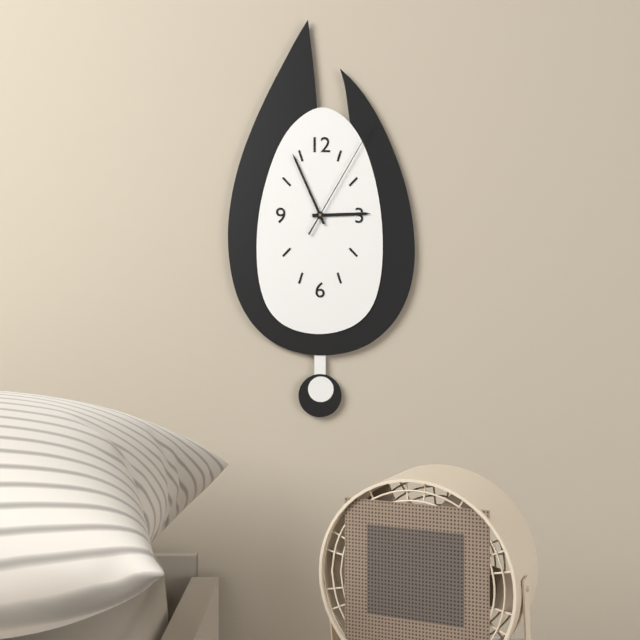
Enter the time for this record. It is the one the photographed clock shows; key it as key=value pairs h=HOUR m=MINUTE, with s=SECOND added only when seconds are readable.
h=2 m=56 s=5
